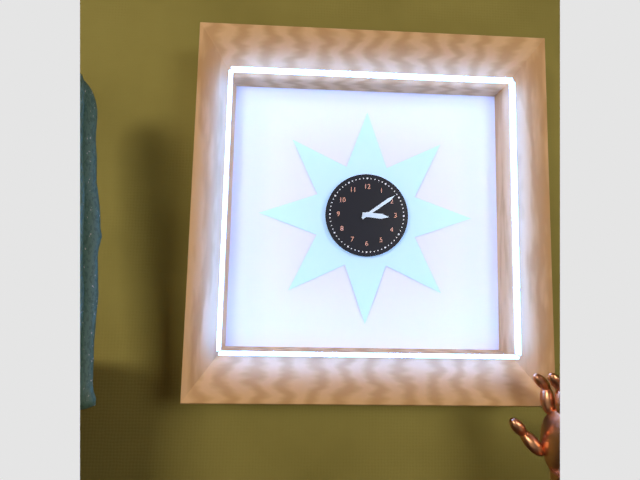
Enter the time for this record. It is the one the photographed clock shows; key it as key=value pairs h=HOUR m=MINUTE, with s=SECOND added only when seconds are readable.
h=3 m=9
